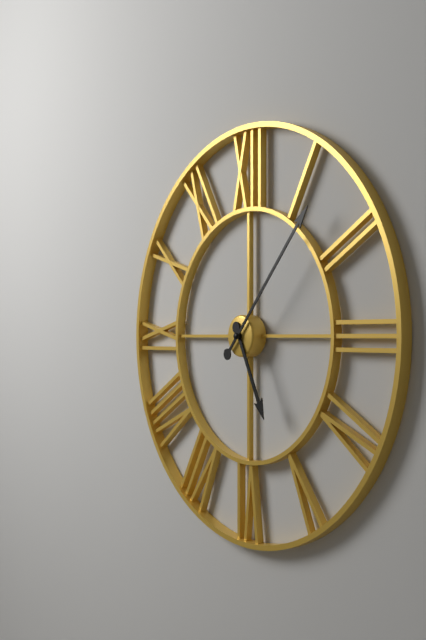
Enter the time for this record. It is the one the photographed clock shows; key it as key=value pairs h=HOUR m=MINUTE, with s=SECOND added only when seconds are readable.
h=5 m=7
